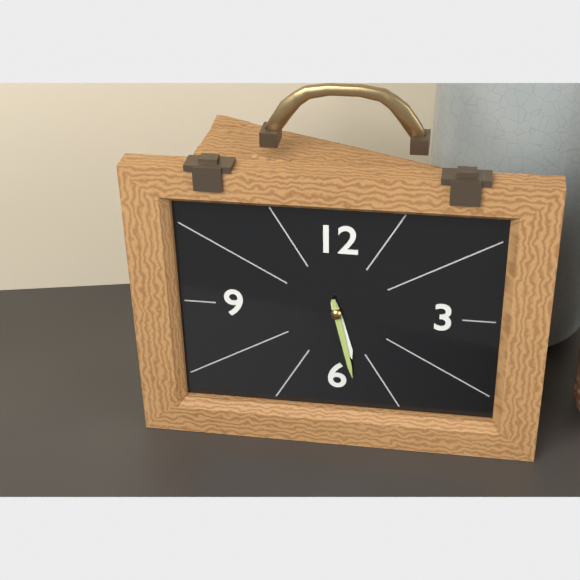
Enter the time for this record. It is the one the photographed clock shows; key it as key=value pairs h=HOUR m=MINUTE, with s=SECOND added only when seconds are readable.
h=5 m=28
